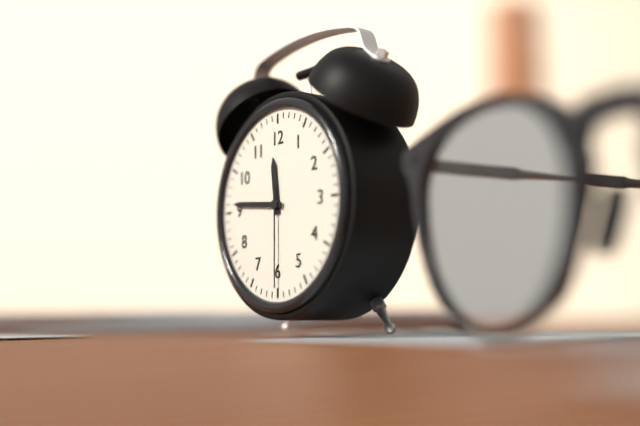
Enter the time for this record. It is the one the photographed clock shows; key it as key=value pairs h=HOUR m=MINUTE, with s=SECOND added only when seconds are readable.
h=11 m=46 s=30
